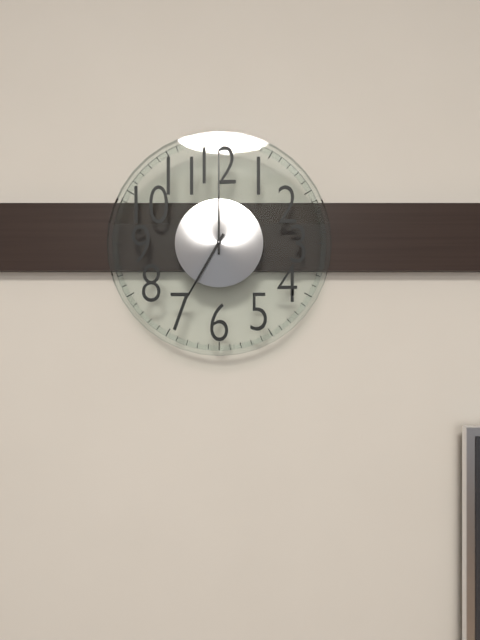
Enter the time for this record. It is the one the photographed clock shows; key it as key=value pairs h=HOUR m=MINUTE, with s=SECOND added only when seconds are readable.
h=7 m=0
